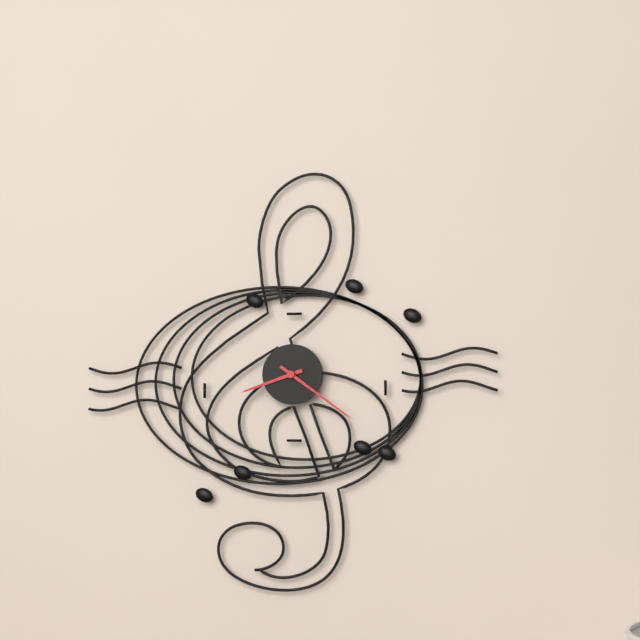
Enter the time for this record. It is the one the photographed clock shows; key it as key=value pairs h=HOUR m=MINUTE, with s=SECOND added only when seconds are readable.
h=8 m=21
